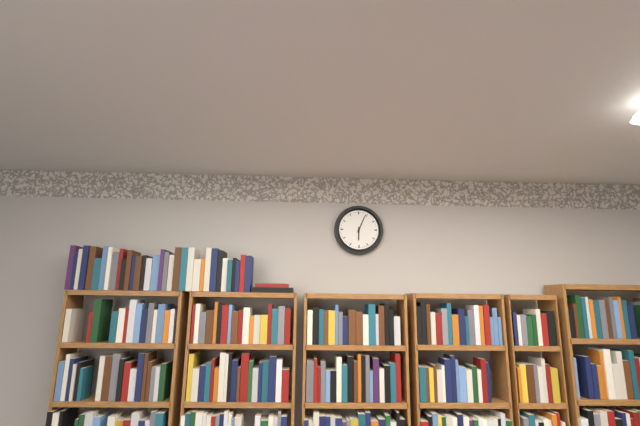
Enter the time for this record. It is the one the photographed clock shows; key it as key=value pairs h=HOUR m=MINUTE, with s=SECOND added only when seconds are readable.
h=6 m=4
